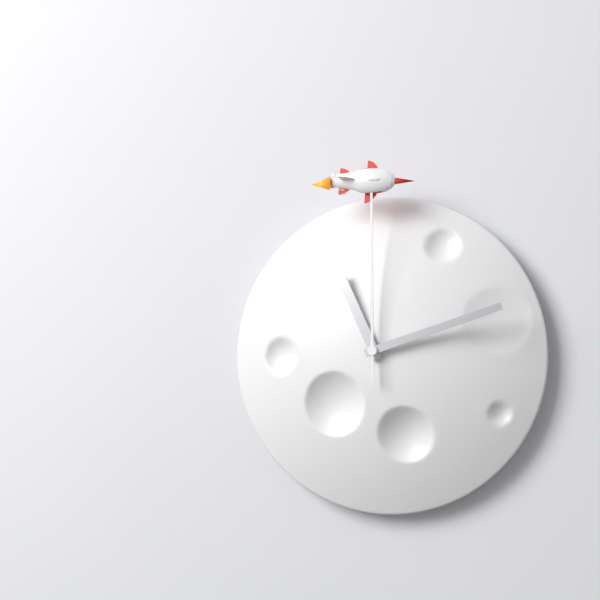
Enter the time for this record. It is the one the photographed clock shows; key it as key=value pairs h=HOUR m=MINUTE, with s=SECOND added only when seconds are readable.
h=11 m=12 s=0
